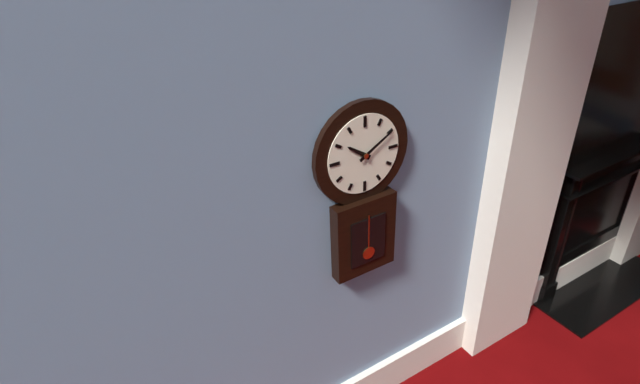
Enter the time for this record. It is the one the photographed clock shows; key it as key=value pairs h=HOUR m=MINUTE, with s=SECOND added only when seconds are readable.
h=10 m=10
